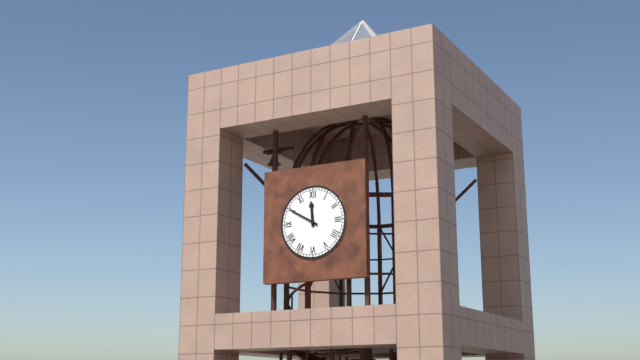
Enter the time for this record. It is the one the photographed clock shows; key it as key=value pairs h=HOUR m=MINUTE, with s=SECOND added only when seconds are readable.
h=11 m=50
